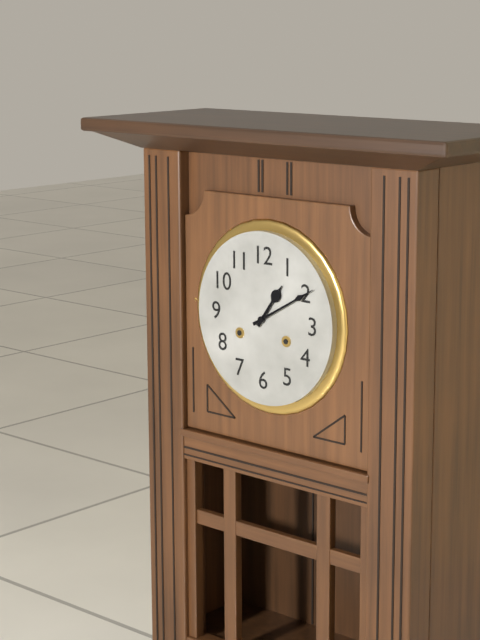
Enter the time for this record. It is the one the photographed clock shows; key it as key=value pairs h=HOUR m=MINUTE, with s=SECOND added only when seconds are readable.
h=1 m=10
